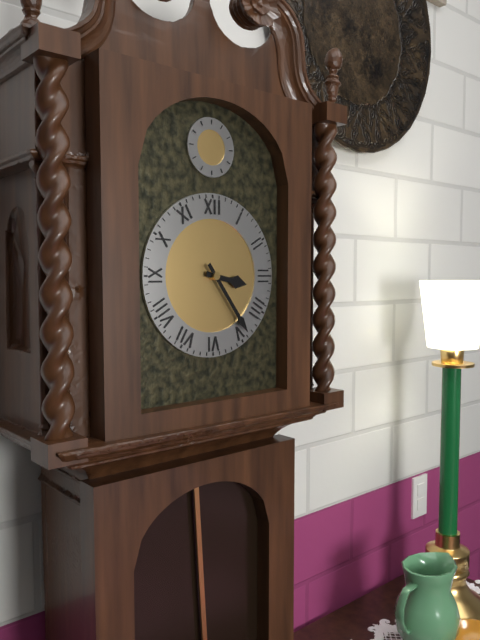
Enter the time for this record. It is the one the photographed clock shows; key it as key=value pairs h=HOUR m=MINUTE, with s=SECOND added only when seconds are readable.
h=3 m=24
